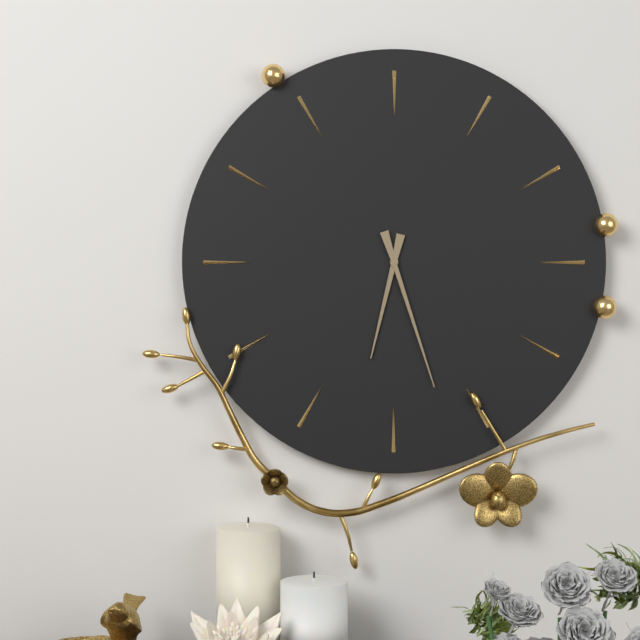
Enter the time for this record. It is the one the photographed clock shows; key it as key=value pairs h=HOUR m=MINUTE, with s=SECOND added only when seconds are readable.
h=6 m=27
